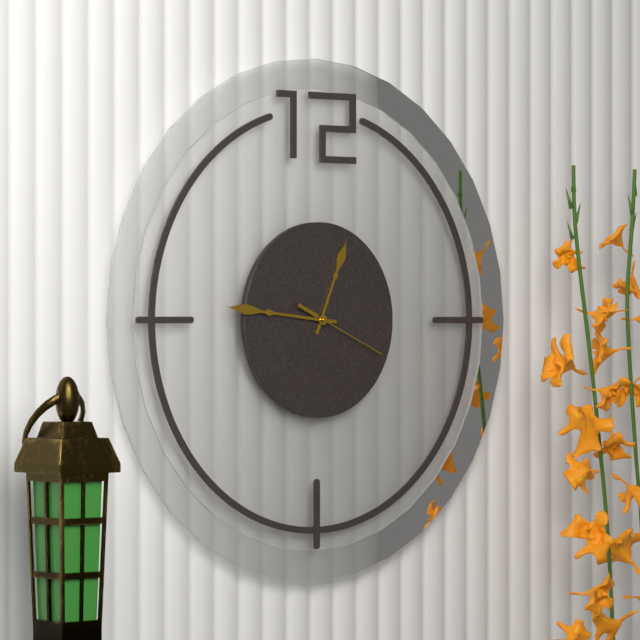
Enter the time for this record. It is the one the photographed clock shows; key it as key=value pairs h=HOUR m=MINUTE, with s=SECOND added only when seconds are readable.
h=12 m=46 s=19
